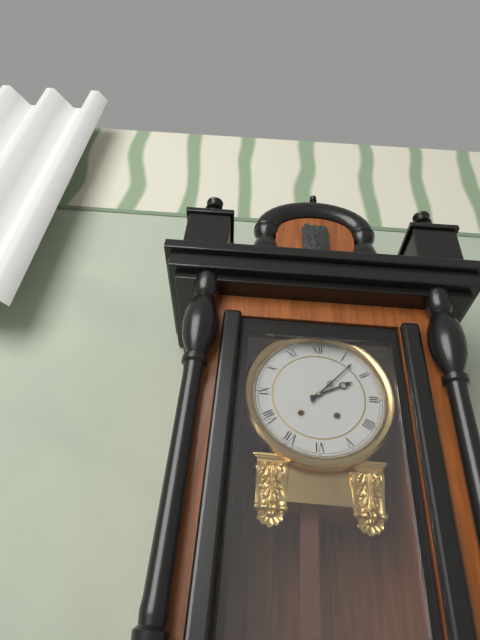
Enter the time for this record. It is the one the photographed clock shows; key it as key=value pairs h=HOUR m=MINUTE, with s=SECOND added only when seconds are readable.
h=2 m=7
